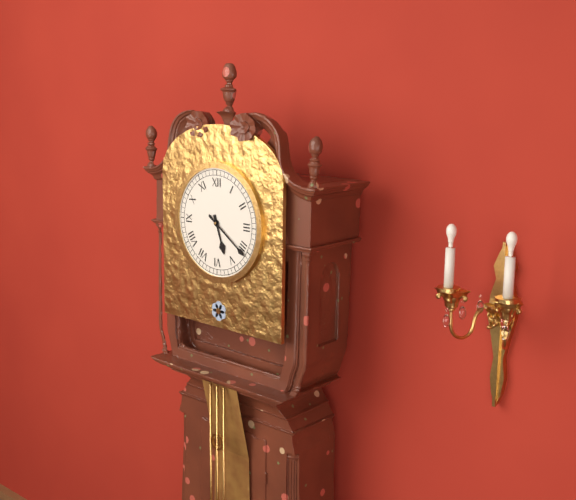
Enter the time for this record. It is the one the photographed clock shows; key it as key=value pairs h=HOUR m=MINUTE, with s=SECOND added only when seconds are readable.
h=5 m=21
